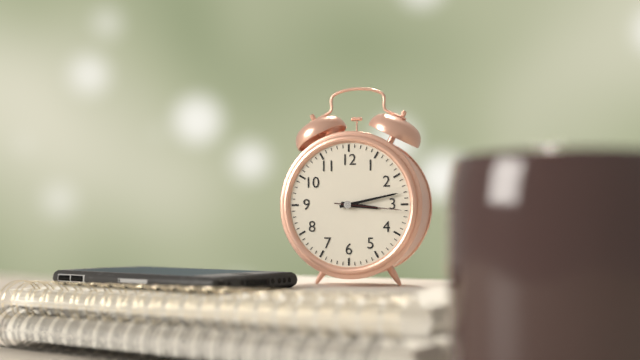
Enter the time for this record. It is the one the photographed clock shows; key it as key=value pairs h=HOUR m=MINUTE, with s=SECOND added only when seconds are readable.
h=3 m=13 s=16
